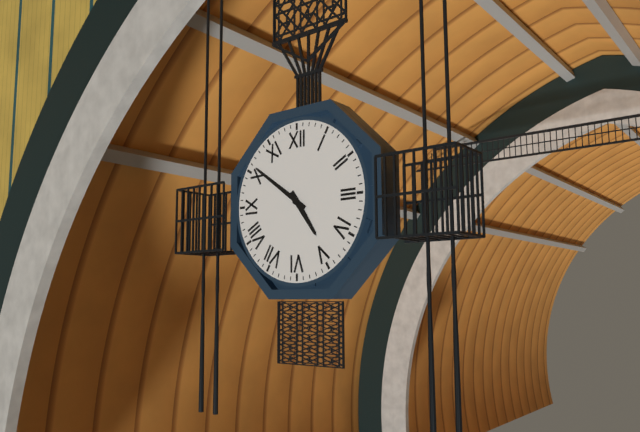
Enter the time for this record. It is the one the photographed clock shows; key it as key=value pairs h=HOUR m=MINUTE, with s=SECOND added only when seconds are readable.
h=4 m=51
